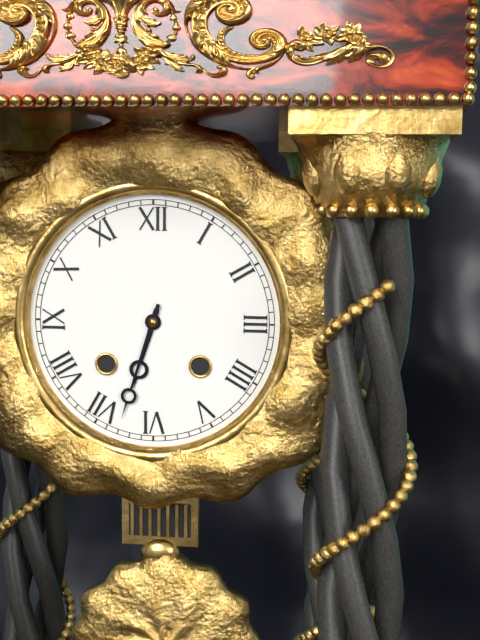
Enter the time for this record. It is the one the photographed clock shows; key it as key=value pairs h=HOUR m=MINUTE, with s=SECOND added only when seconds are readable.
h=6 m=33
